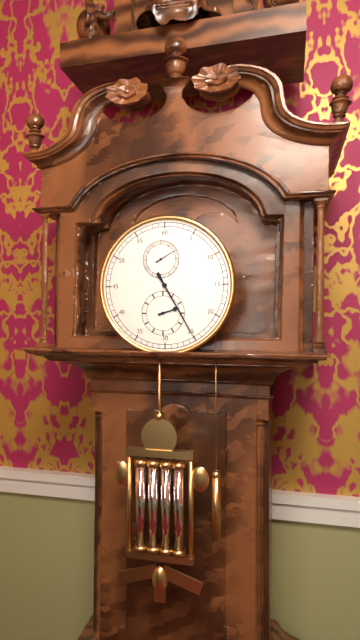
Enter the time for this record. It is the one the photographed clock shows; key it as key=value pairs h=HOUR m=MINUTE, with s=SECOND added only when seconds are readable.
h=2 m=25
